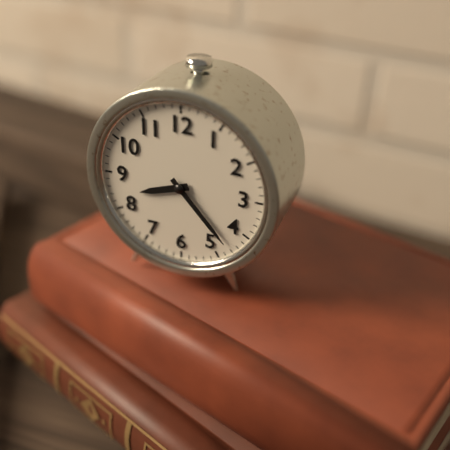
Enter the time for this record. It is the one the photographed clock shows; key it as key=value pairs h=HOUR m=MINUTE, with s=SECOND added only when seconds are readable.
h=8 m=23
